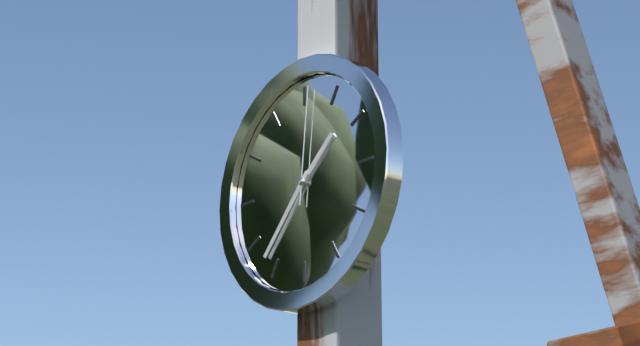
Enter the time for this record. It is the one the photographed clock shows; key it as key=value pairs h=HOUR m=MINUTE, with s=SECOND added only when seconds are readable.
h=1 m=37 s=1
